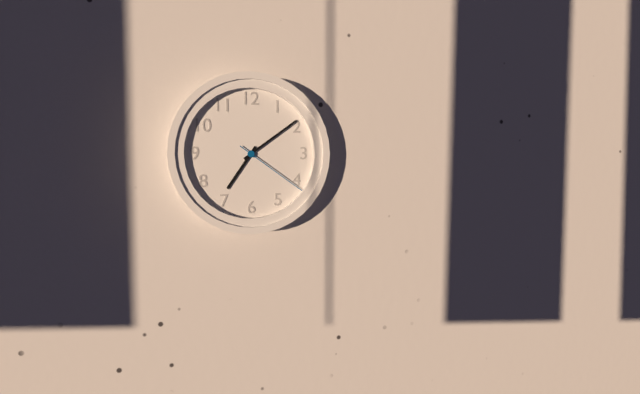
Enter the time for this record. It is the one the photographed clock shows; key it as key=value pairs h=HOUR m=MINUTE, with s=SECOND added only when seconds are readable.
h=7 m=9 s=21
